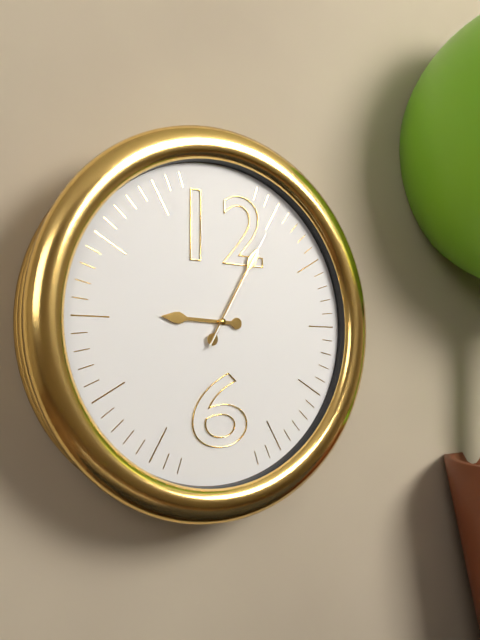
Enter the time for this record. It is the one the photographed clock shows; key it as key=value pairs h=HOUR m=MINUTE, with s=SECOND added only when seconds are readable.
h=9 m=5 s=5
